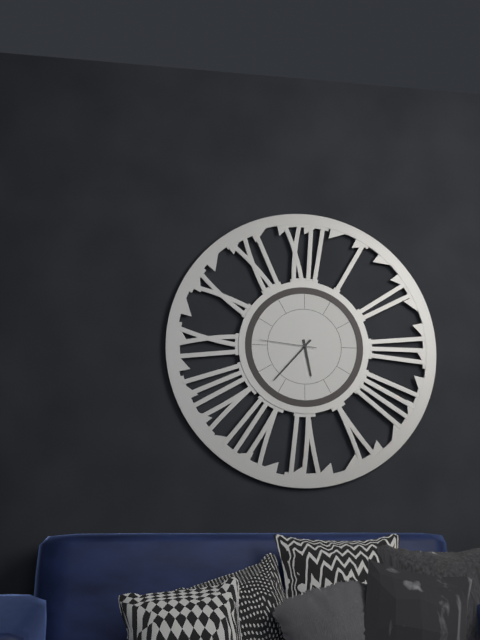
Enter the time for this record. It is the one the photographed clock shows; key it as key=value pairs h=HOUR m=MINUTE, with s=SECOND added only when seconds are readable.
h=5 m=37 s=46
